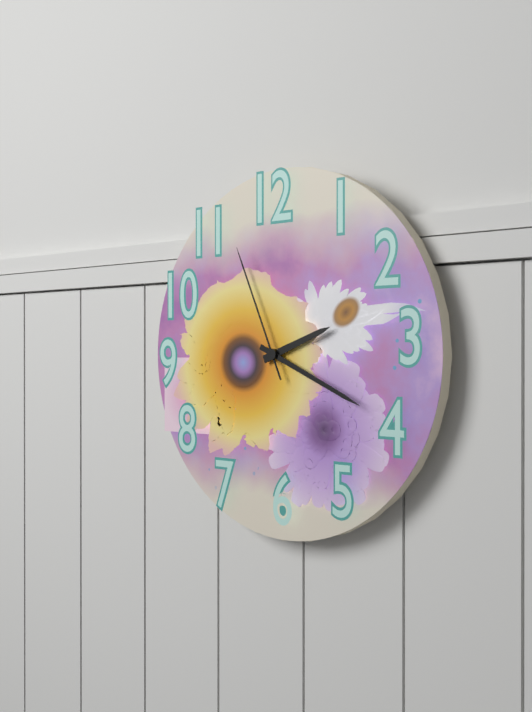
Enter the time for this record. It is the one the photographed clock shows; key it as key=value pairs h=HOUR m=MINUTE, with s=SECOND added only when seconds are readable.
h=2 m=19 s=56
